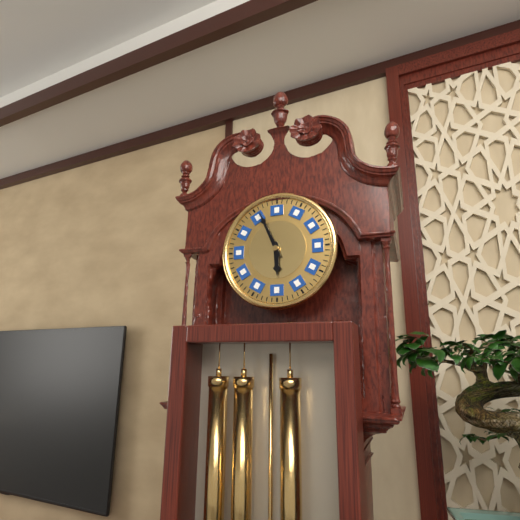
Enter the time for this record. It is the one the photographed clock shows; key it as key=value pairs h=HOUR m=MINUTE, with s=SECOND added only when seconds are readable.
h=5 m=56
